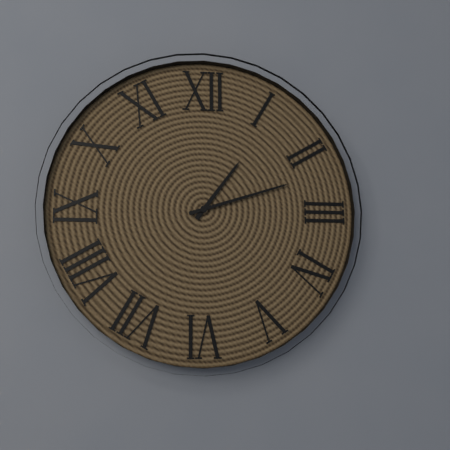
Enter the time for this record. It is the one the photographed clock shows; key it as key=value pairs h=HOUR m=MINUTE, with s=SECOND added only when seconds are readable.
h=1 m=12
